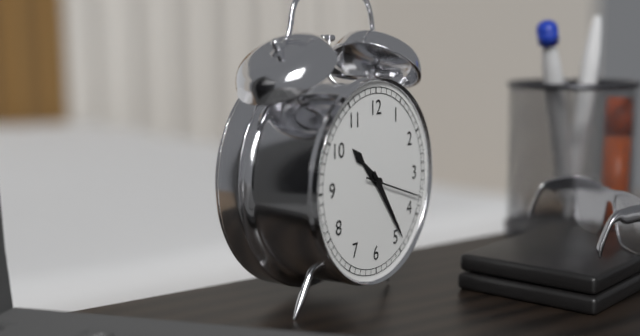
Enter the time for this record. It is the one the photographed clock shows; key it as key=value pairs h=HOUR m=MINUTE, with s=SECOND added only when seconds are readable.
h=10 m=24 s=18
